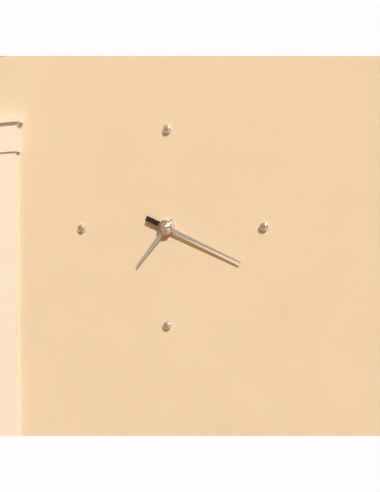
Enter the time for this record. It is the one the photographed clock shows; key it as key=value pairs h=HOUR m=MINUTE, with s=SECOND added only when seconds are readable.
h=7 m=19
